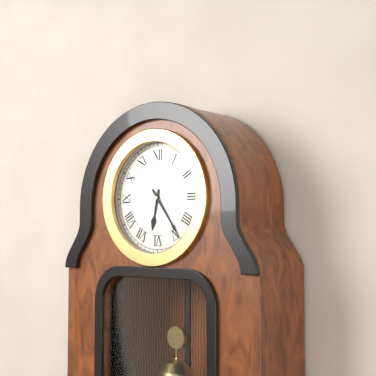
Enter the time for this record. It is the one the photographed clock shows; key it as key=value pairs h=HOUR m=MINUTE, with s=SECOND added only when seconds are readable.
h=6 m=24
